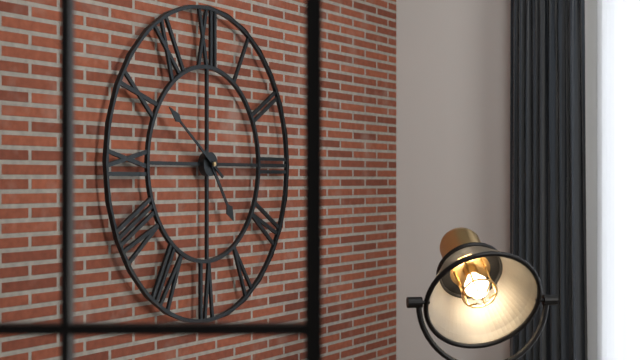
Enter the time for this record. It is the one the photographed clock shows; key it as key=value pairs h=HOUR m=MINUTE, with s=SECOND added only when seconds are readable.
h=4 m=51
